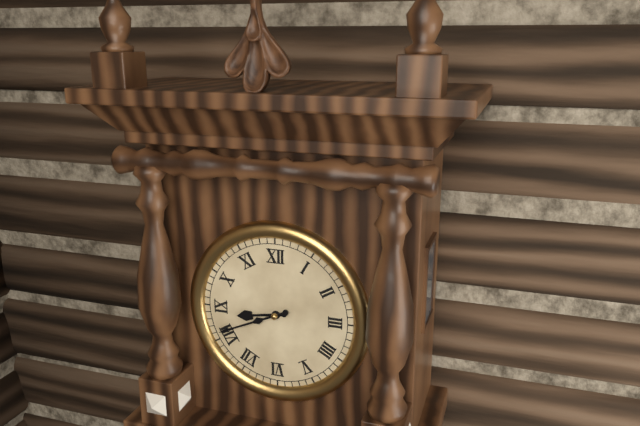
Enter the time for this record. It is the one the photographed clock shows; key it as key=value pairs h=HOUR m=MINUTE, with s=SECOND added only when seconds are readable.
h=8 m=41
